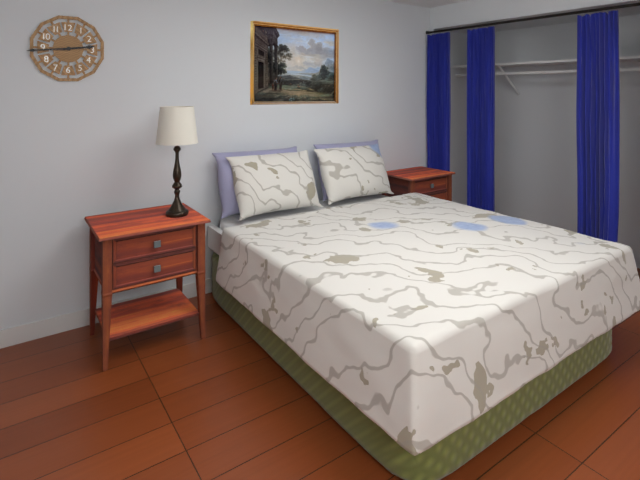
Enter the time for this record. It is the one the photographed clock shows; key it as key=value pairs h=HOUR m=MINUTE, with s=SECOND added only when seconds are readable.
h=2 m=44
